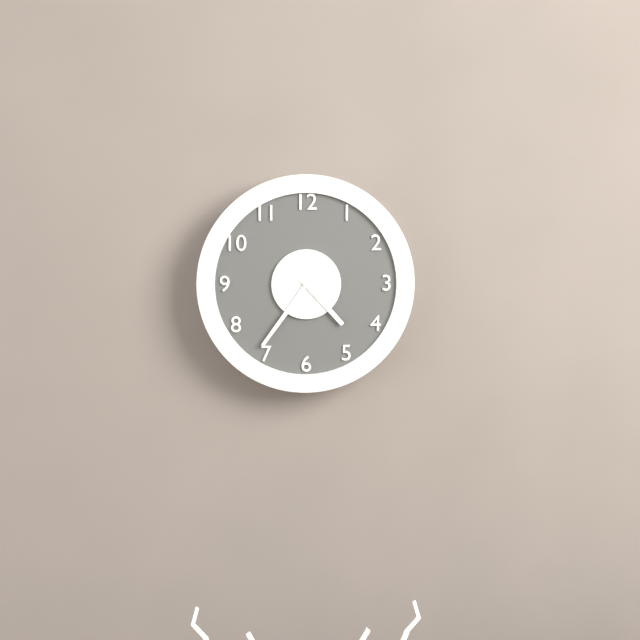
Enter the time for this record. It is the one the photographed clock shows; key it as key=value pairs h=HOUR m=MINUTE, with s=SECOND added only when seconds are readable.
h=4 m=36
